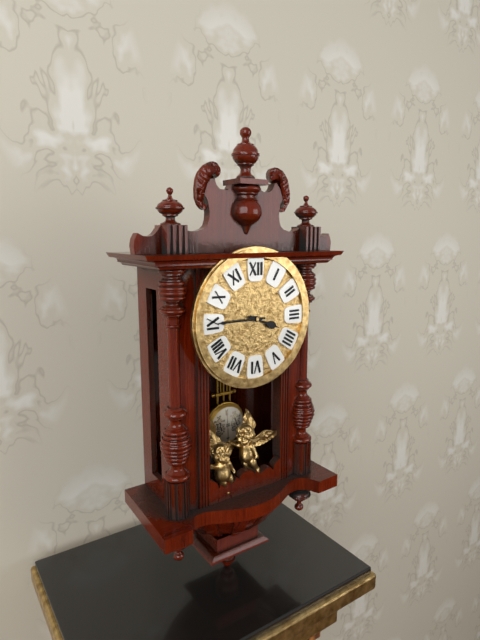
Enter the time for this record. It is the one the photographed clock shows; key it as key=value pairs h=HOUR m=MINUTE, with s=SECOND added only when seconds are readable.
h=3 m=45
